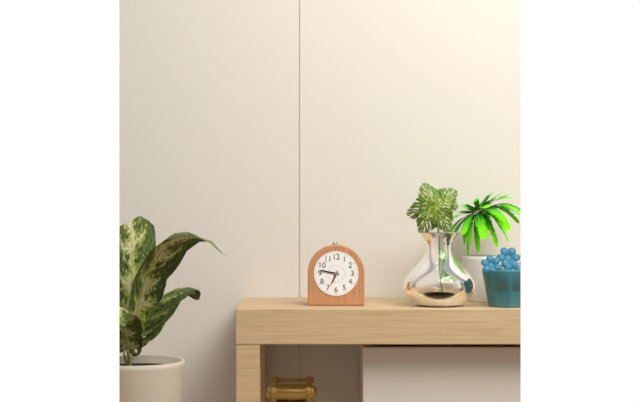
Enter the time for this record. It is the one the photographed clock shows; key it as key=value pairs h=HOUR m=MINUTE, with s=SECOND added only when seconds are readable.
h=6 m=47
